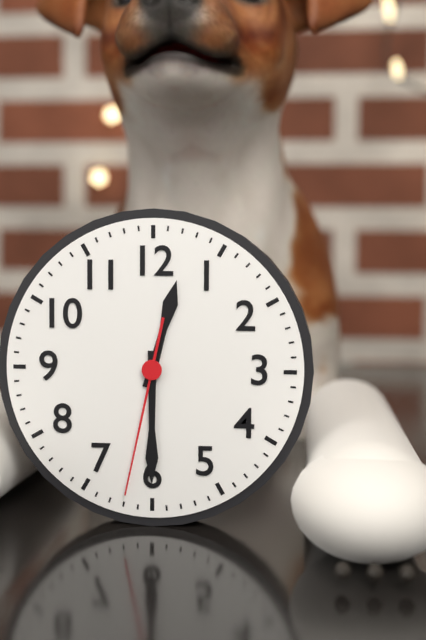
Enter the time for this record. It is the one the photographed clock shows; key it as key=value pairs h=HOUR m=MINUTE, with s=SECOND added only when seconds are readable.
h=12 m=30 s=32
